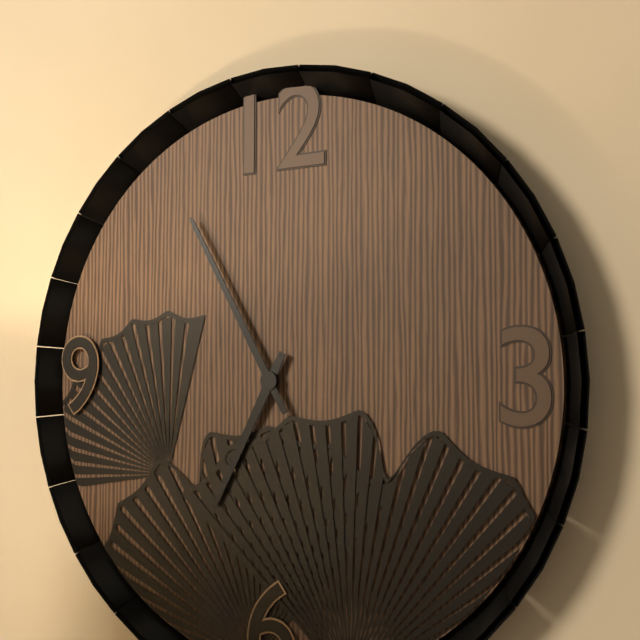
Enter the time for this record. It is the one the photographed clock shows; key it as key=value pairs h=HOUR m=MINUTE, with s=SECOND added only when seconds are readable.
h=6 m=55
